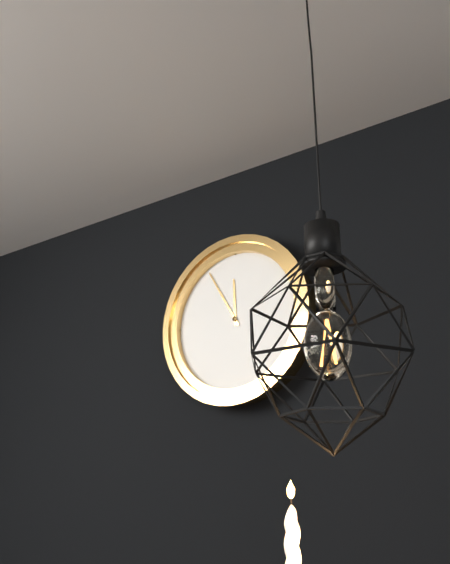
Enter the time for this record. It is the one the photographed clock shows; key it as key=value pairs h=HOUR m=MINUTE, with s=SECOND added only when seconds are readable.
h=11 m=55
